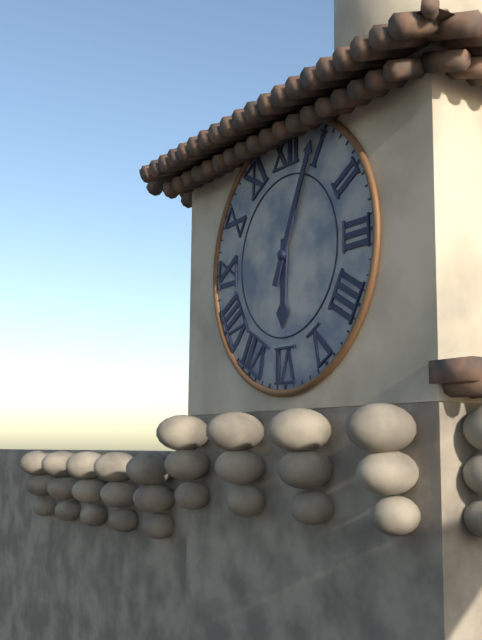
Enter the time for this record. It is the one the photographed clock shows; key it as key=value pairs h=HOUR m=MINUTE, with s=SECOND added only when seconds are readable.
h=6 m=4
